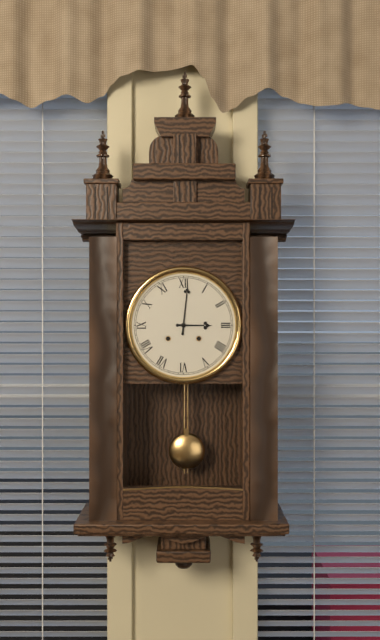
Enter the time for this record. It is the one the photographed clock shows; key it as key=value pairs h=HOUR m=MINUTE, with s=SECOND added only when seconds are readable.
h=3 m=1
